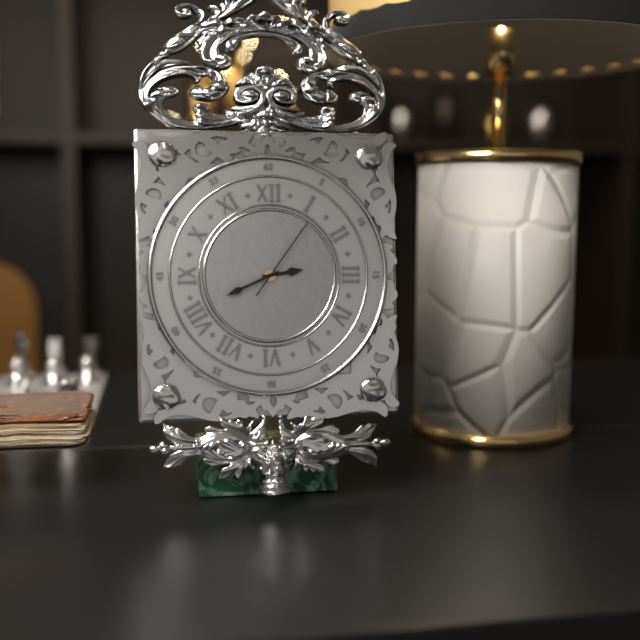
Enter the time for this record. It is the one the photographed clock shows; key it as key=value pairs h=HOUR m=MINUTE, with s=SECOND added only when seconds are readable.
h=2 m=41 s=6
